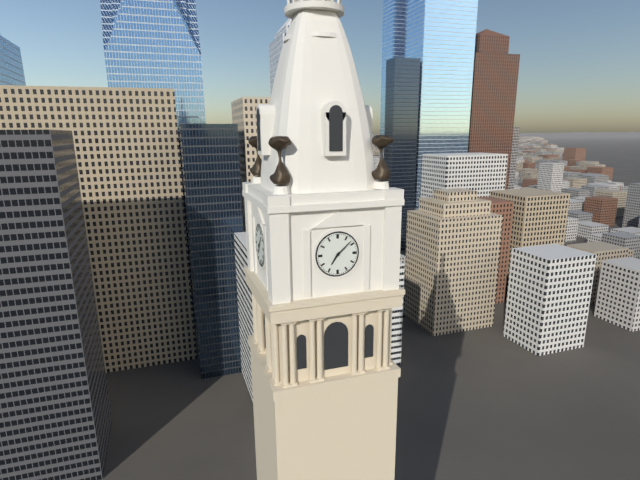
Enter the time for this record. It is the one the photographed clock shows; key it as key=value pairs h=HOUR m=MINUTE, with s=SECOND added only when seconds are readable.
h=7 m=8
